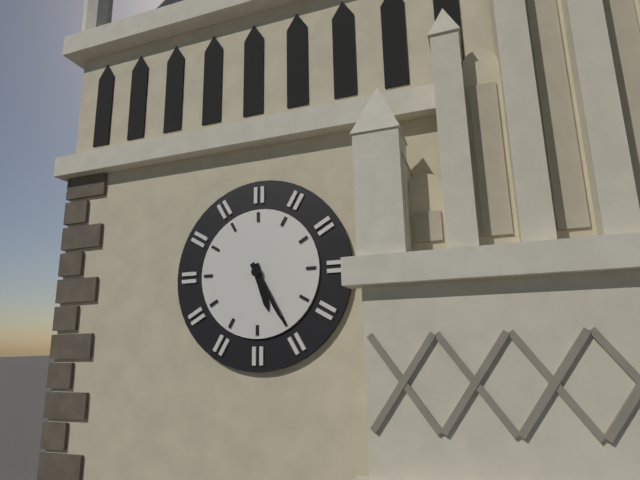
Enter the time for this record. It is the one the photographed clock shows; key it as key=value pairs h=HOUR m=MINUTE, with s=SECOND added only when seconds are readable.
h=5 m=25
